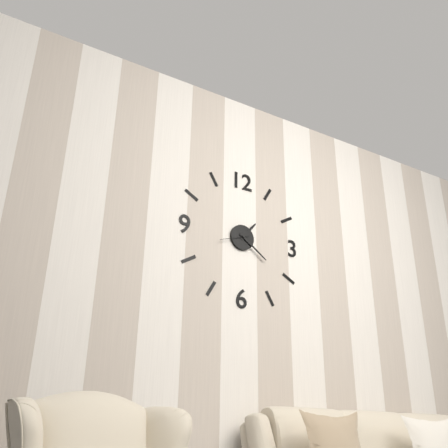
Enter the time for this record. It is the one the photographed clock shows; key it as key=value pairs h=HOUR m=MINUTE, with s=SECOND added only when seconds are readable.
h=1 m=21
